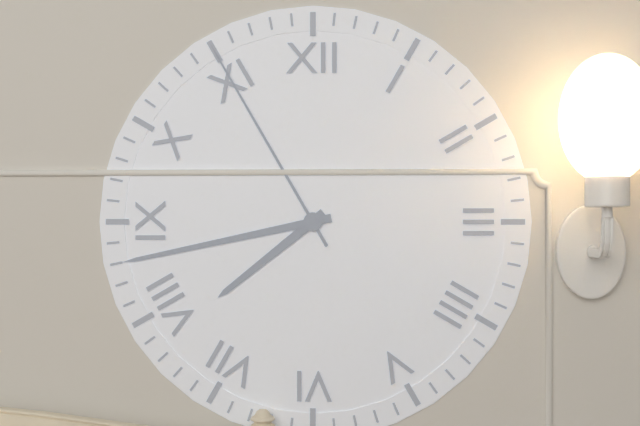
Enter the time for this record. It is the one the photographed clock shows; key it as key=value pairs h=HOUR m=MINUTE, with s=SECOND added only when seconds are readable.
h=7 m=43 s=55
